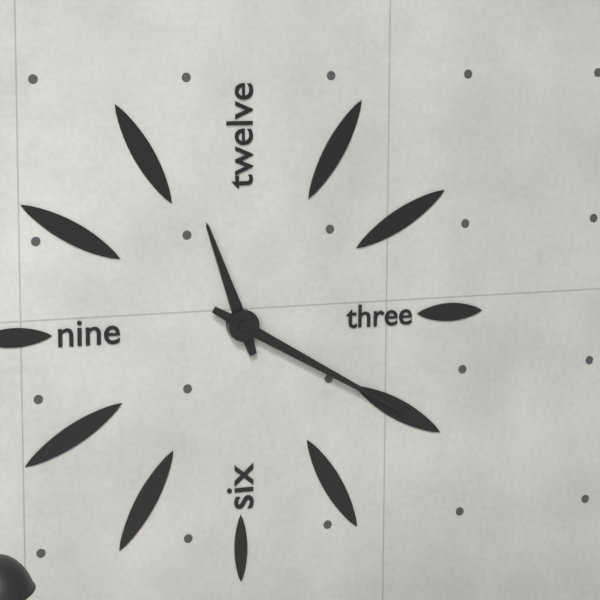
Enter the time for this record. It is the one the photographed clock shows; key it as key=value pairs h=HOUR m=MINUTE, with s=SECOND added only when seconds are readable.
h=11 m=20
